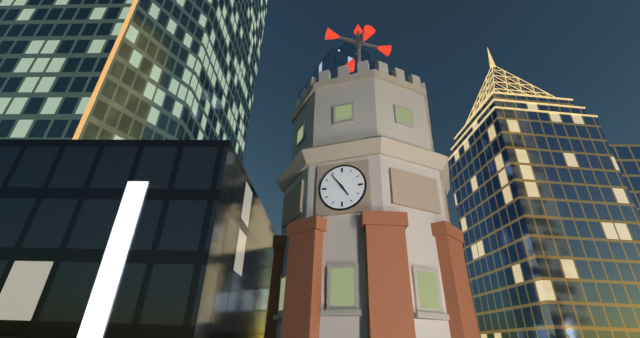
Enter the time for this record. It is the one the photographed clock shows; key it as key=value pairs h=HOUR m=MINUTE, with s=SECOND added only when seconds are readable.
h=4 m=54
